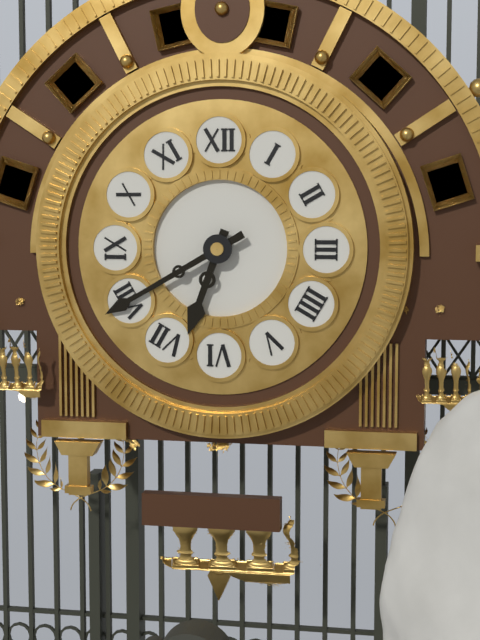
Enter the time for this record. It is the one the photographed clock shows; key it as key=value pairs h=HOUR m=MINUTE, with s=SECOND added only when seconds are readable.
h=6 m=40
